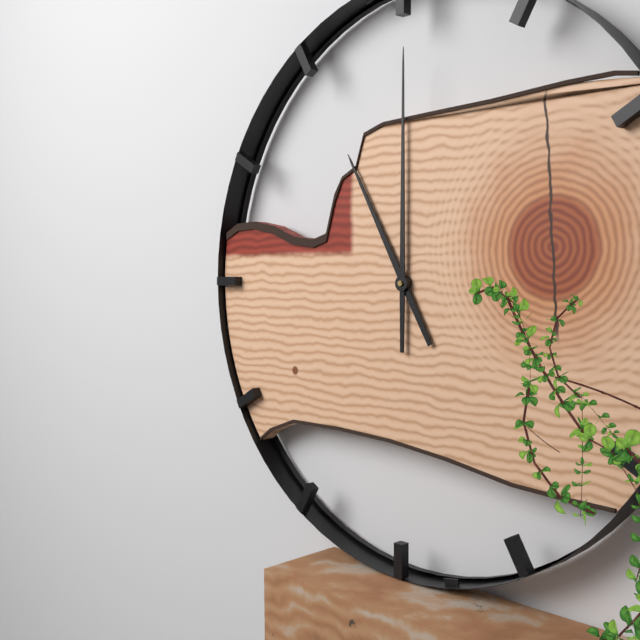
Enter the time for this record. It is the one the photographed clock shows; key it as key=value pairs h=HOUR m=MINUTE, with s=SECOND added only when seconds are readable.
h=11 m=0
